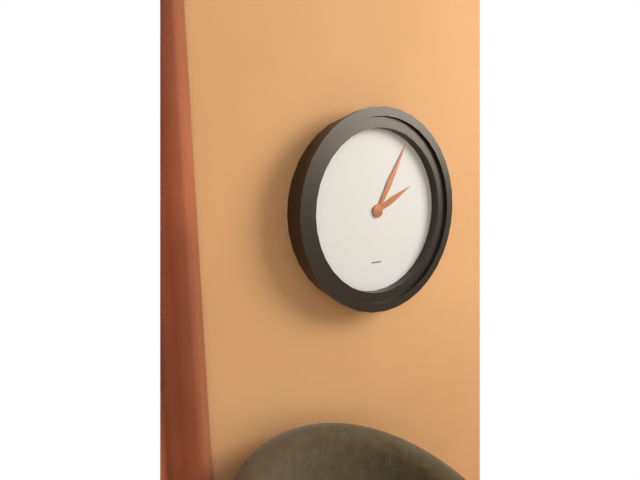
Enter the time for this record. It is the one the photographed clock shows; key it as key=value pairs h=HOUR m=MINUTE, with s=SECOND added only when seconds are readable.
h=2 m=5
